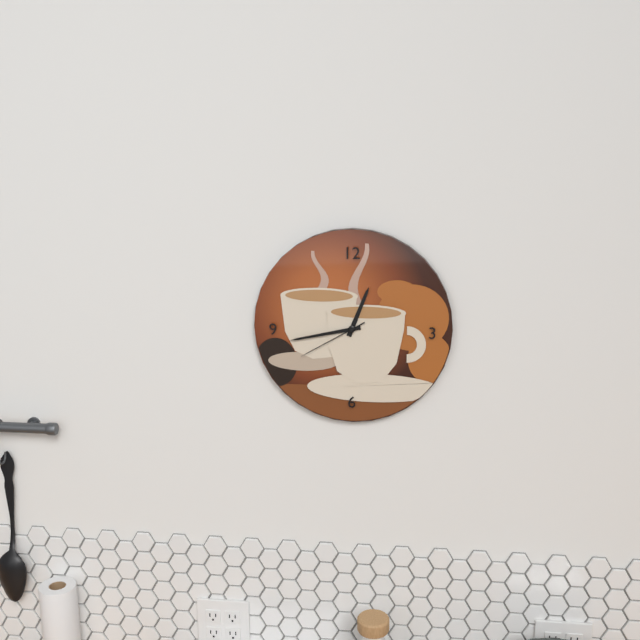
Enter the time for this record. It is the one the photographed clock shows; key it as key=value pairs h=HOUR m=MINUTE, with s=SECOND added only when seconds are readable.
h=12 m=43 s=40
